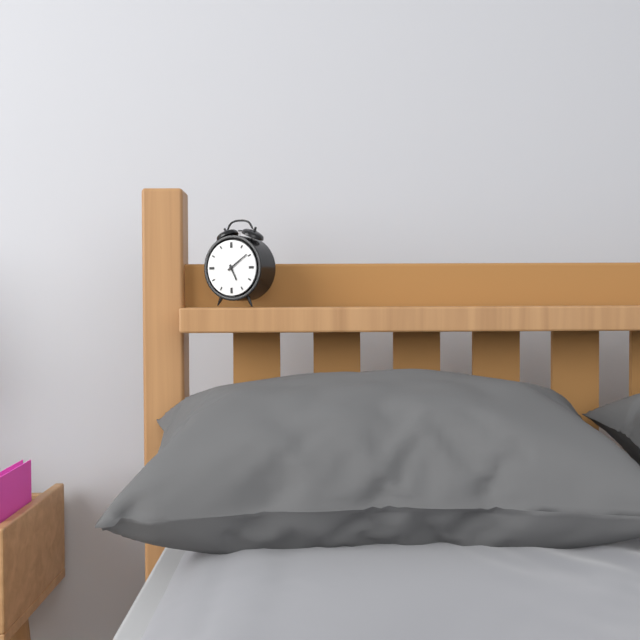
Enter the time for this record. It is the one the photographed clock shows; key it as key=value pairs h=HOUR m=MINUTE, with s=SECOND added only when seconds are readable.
h=5 m=9
